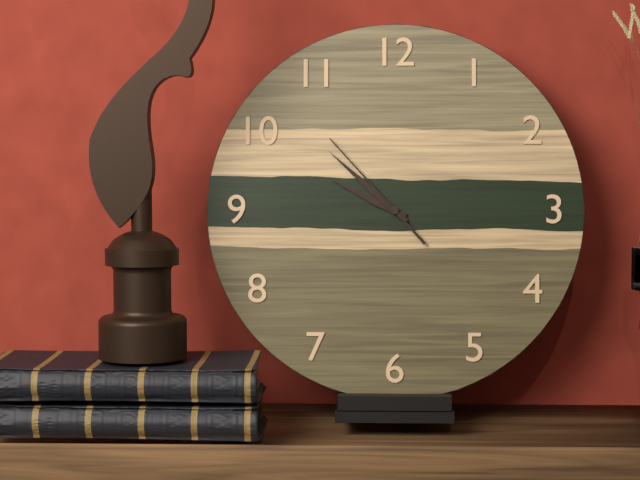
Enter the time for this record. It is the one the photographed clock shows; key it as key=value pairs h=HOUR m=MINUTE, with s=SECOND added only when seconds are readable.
h=9 m=52 s=53
